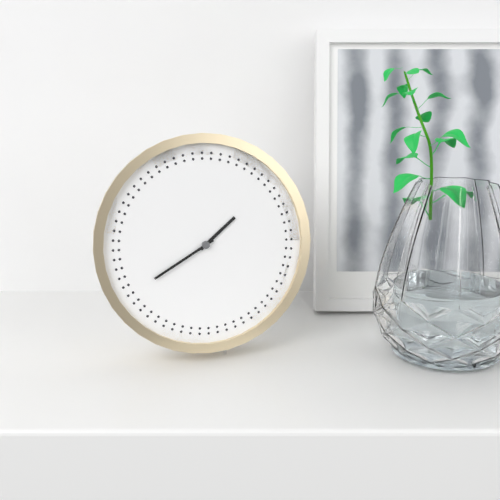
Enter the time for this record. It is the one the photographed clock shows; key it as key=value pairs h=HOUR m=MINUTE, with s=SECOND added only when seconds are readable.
h=1 m=40
